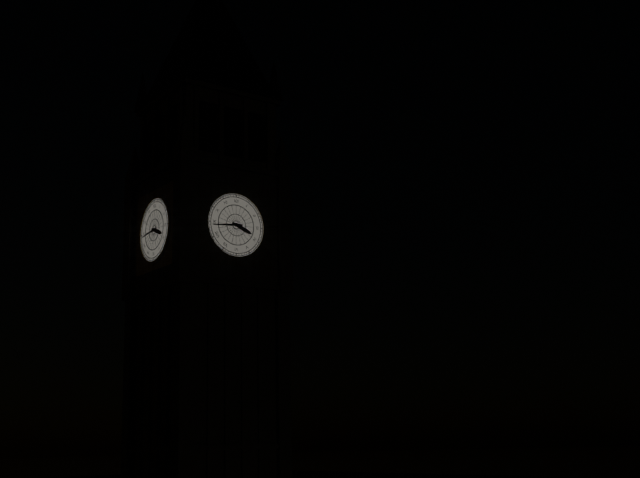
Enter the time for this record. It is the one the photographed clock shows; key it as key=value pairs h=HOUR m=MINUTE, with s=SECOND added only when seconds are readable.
h=3 m=44
